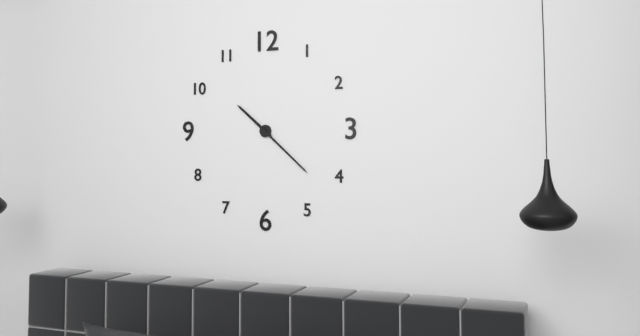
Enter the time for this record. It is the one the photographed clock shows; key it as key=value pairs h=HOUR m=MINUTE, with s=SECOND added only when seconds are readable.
h=10 m=22
